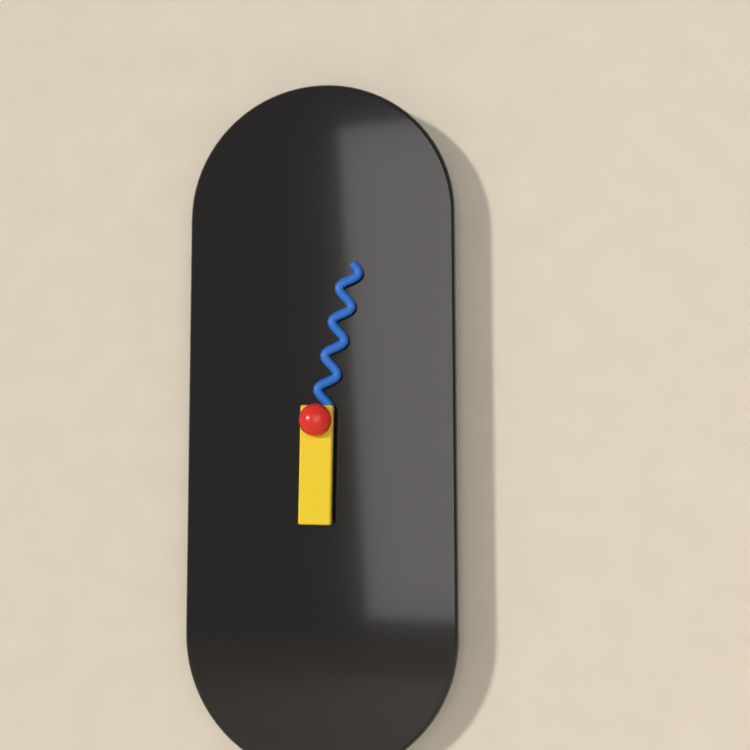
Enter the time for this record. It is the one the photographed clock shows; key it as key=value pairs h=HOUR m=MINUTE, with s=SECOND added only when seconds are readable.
h=6 m=2
